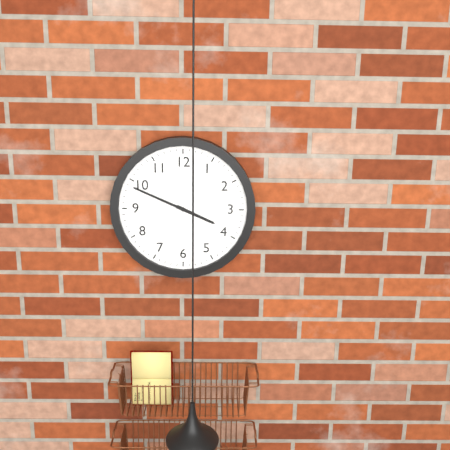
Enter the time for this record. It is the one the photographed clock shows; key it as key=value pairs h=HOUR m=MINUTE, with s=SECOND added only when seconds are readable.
h=3 m=49
